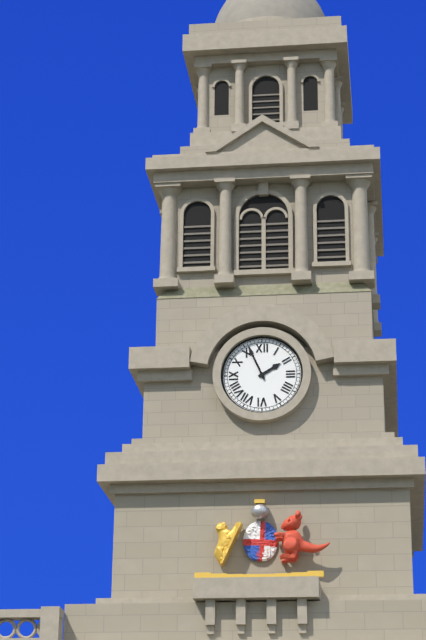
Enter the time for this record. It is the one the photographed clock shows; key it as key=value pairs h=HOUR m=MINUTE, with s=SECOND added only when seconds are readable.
h=1 m=56
